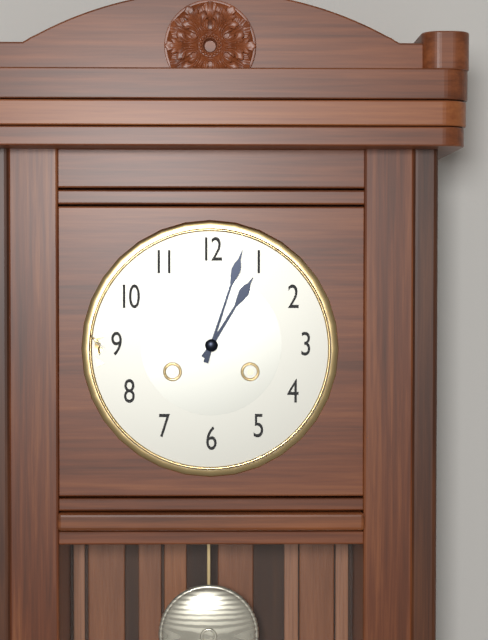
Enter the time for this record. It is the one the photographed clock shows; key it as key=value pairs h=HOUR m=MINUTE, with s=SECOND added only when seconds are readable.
h=1 m=3
